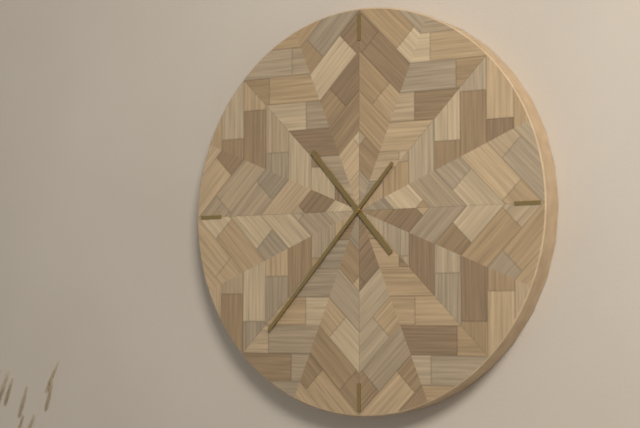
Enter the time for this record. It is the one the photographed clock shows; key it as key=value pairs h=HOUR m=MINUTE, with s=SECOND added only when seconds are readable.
h=10 m=37
